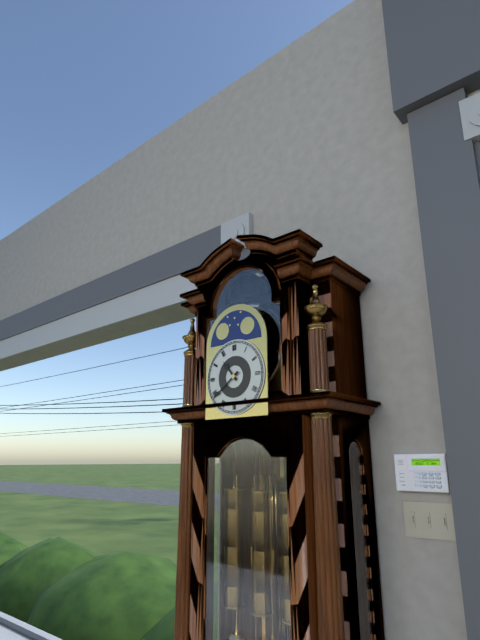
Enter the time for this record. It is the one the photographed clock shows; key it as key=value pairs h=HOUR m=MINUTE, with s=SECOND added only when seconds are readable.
h=10 m=39
